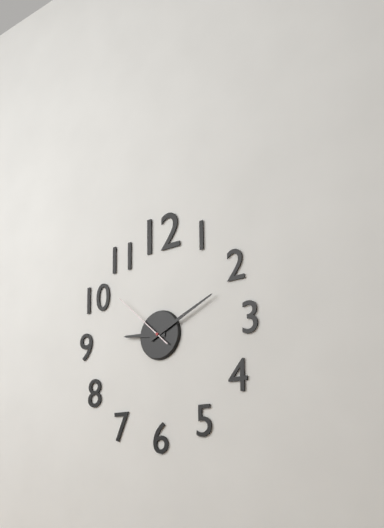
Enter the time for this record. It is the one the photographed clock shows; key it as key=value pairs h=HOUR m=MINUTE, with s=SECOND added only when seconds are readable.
h=9 m=11 s=52
